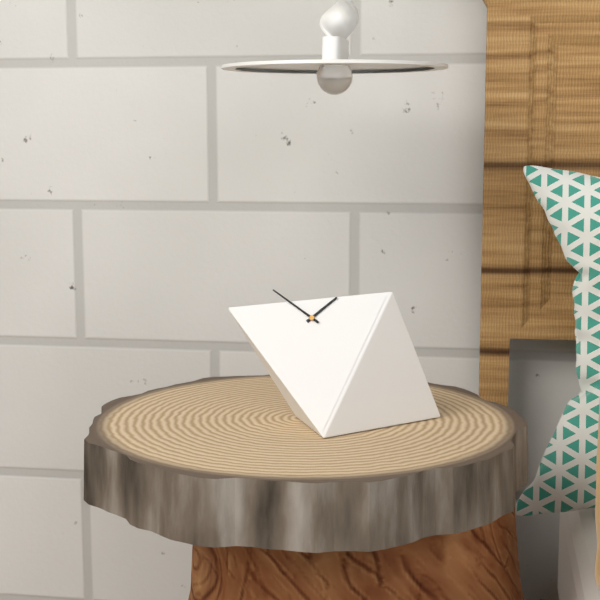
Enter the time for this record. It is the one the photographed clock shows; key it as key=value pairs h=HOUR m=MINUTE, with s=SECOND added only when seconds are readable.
h=1 m=52
